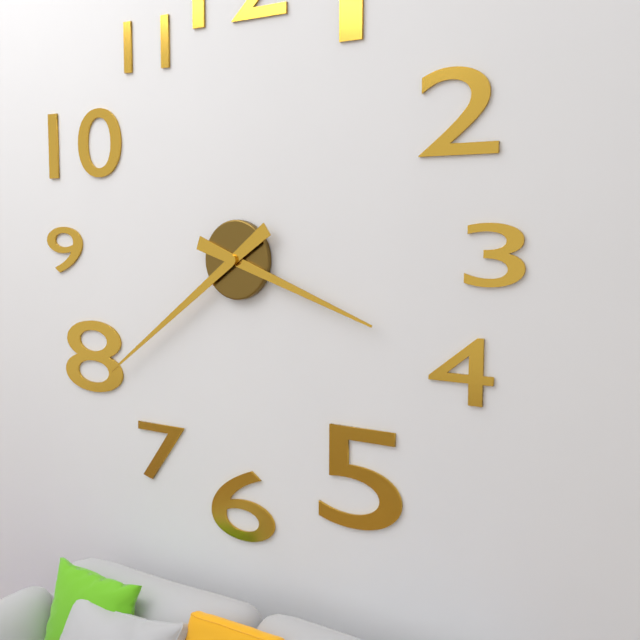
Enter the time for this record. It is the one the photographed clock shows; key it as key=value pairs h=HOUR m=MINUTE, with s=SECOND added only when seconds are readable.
h=3 m=39
